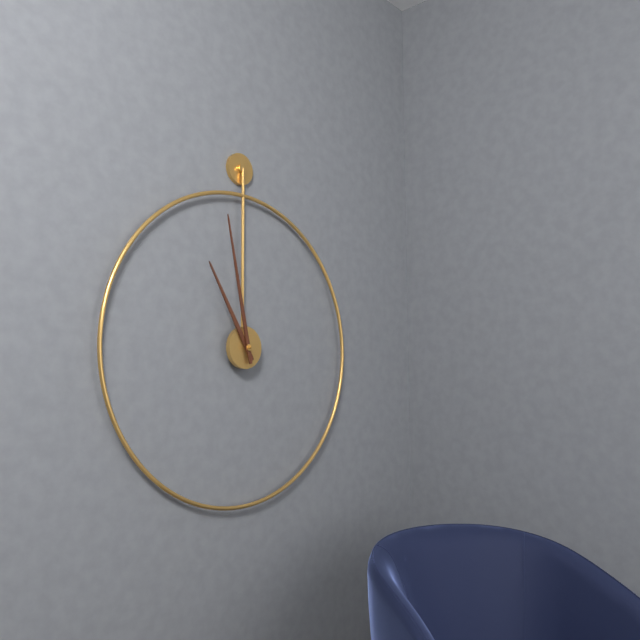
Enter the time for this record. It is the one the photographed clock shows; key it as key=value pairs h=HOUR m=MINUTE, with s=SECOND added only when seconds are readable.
h=10 m=58
